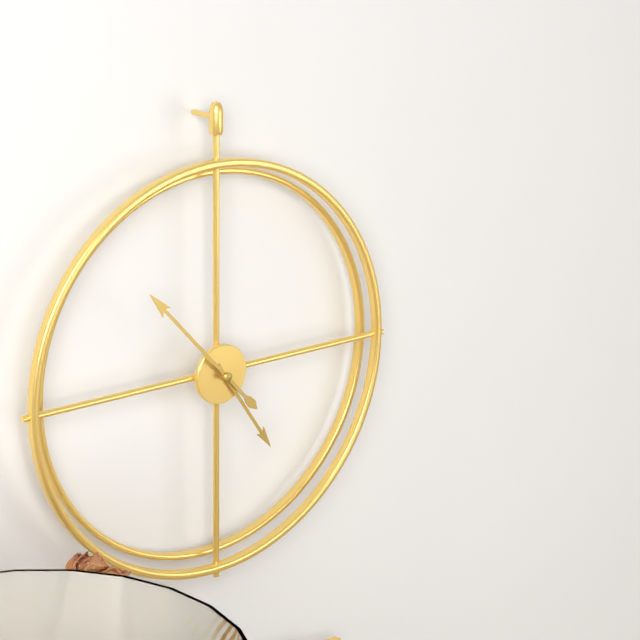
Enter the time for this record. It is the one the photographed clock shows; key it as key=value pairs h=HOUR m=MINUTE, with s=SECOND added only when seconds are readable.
h=4 m=53
